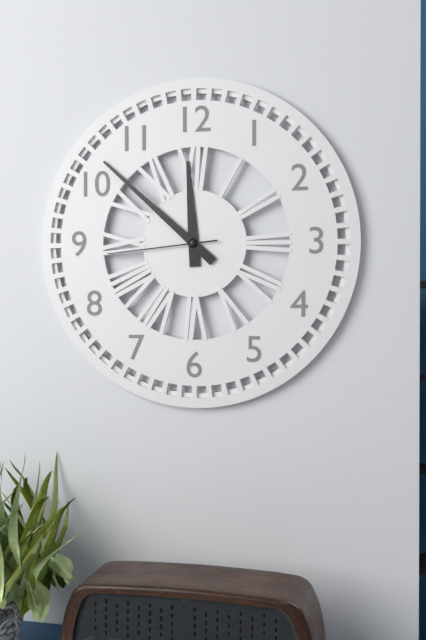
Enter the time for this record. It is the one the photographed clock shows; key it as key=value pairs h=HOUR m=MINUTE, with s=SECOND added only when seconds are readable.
h=11 m=52 s=44
